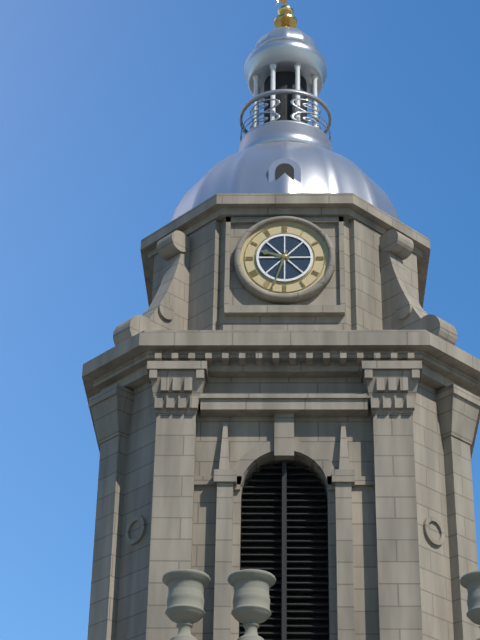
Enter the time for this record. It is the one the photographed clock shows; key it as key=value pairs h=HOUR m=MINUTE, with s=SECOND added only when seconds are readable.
h=9 m=33
